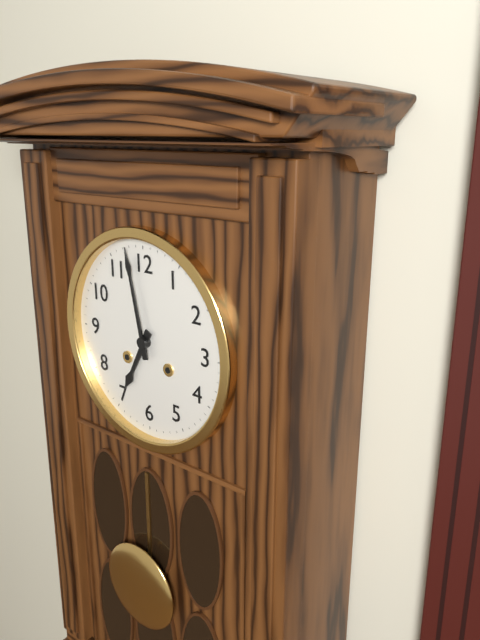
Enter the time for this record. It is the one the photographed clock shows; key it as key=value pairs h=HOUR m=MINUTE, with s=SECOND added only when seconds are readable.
h=6 m=58
